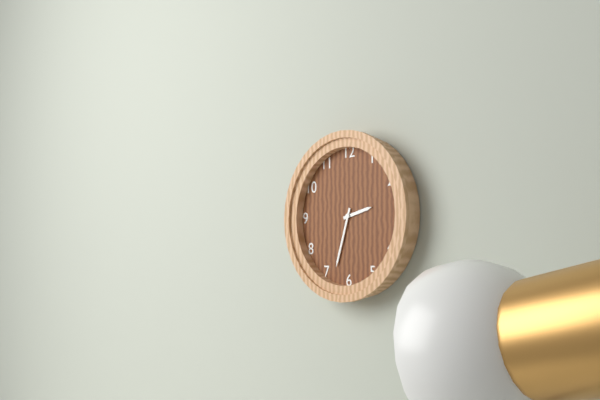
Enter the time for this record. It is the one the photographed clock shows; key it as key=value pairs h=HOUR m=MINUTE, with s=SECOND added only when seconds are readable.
h=2 m=33
